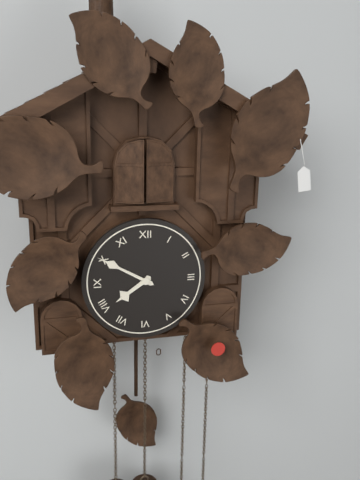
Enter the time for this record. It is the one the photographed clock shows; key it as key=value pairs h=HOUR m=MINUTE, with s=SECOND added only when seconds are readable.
h=7 m=50
